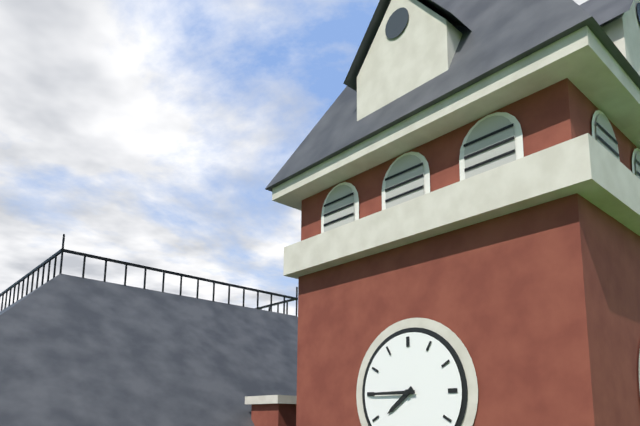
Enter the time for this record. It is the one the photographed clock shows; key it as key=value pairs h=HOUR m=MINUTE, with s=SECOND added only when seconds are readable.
h=7 m=45
